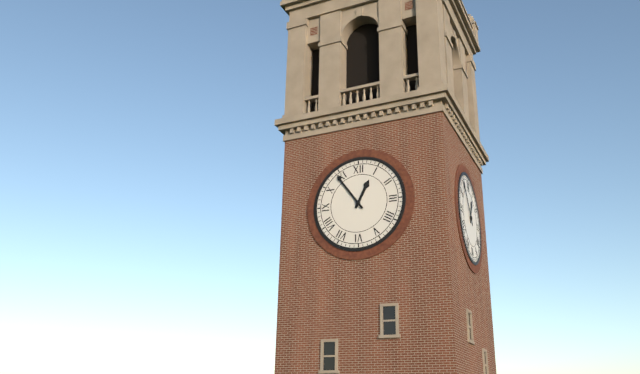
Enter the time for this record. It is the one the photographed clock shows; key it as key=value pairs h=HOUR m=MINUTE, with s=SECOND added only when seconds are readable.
h=12 m=54
